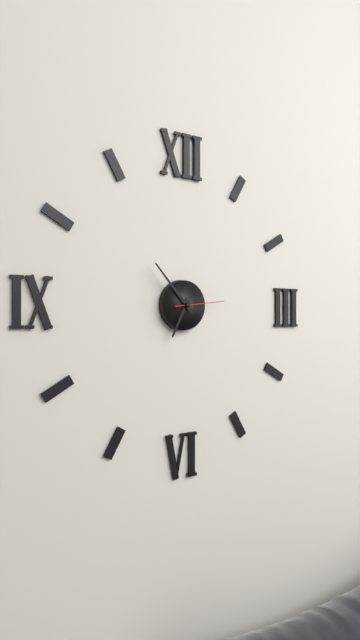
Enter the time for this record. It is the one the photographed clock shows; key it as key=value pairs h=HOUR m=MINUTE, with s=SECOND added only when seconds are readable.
h=6 m=53 s=14
